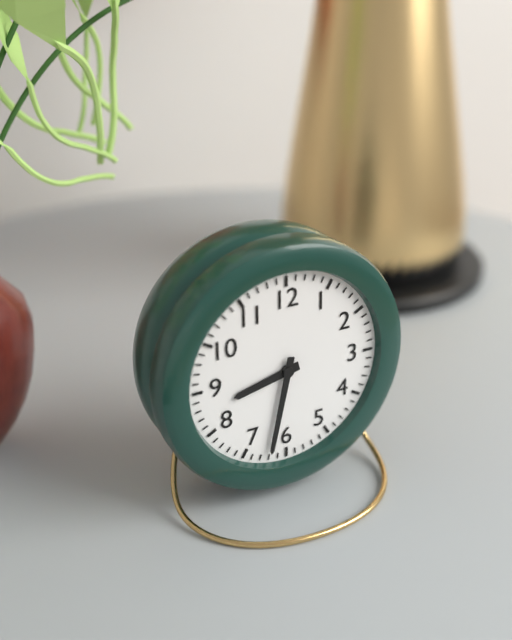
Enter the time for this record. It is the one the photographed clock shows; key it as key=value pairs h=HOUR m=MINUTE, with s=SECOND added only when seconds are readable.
h=8 m=32
